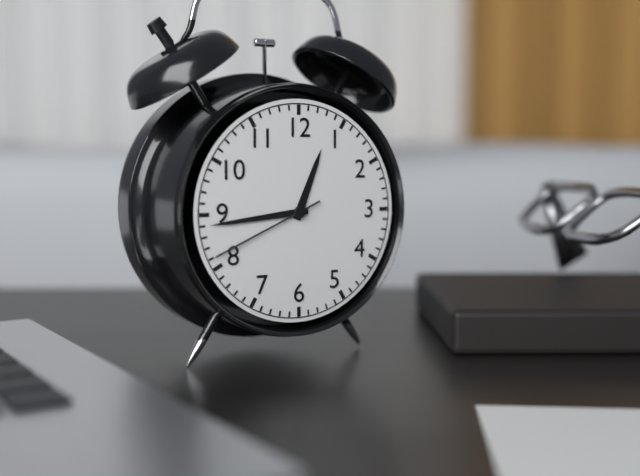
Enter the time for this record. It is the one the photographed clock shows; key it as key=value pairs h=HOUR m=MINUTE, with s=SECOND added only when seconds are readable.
h=12 m=44 s=41
